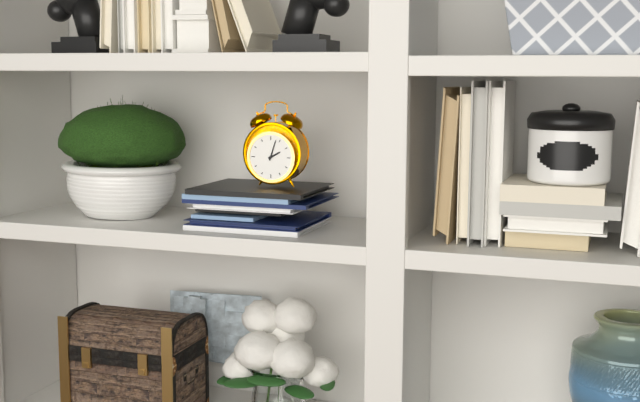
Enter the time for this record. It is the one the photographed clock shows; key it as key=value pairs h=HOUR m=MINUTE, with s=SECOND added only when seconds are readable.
h=2 m=3
